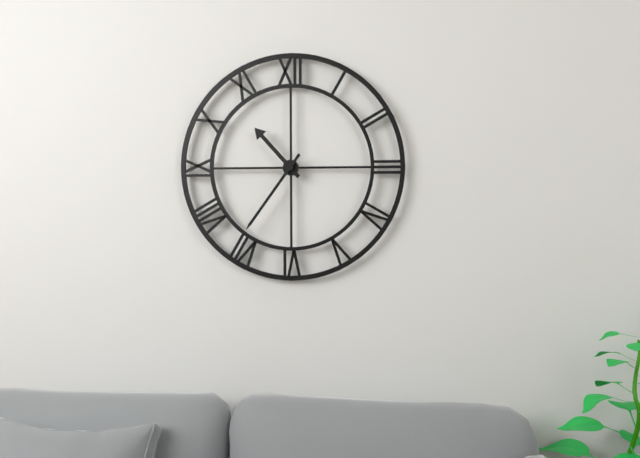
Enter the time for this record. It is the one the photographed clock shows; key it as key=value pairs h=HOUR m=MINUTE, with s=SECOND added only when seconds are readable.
h=10 m=36
